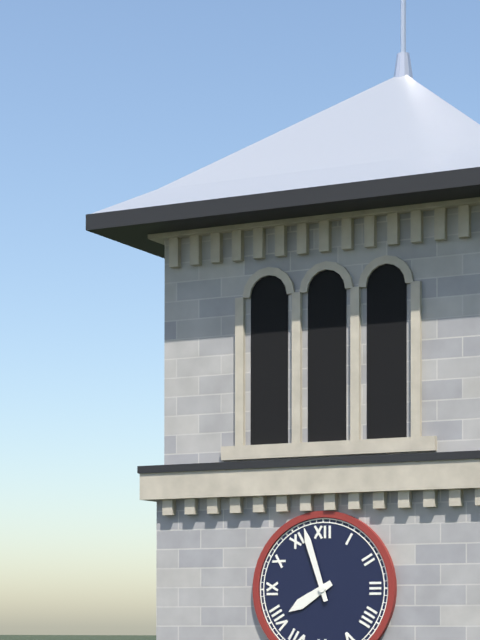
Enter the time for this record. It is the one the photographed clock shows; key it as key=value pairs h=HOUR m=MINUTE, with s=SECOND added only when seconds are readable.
h=7 m=57
